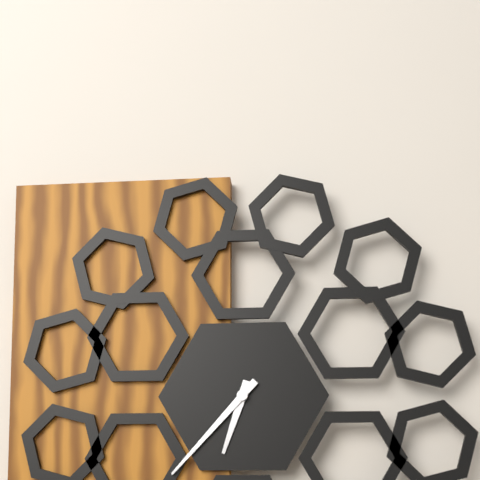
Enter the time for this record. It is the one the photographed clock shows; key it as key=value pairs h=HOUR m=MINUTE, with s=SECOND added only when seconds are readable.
h=6 m=37
